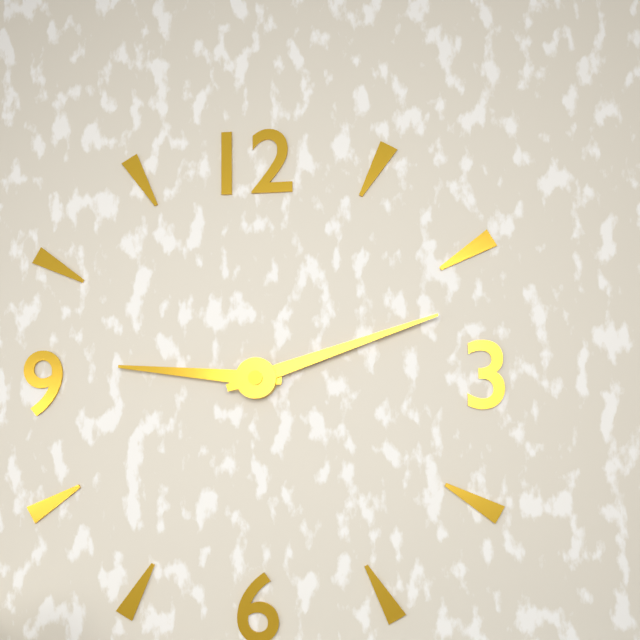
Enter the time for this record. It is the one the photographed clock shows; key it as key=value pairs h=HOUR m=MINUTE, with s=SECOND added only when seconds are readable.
h=9 m=12
